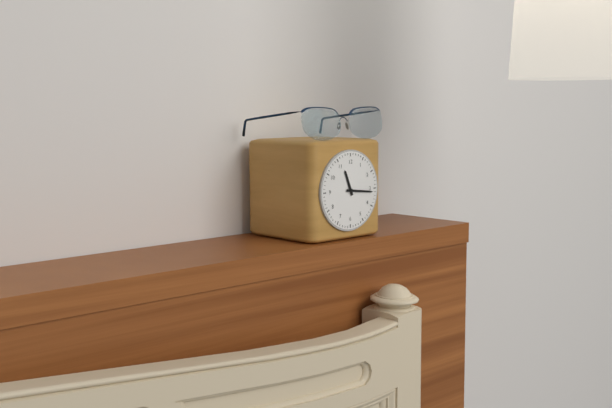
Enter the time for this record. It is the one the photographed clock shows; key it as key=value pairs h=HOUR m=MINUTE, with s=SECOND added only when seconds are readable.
h=11 m=16
